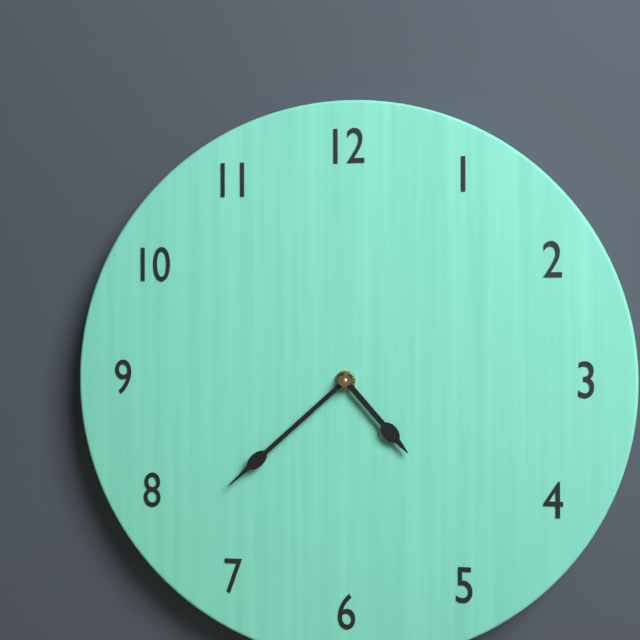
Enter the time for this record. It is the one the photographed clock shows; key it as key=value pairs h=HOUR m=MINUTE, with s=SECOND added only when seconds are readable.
h=4 m=38
